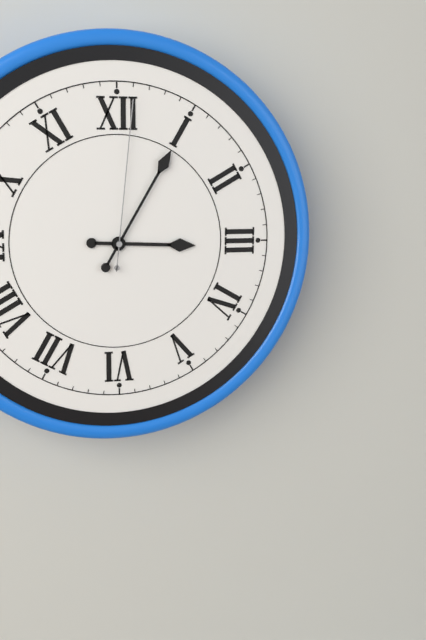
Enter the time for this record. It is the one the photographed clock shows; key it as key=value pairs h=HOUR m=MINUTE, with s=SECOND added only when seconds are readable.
h=3 m=5 s=1
